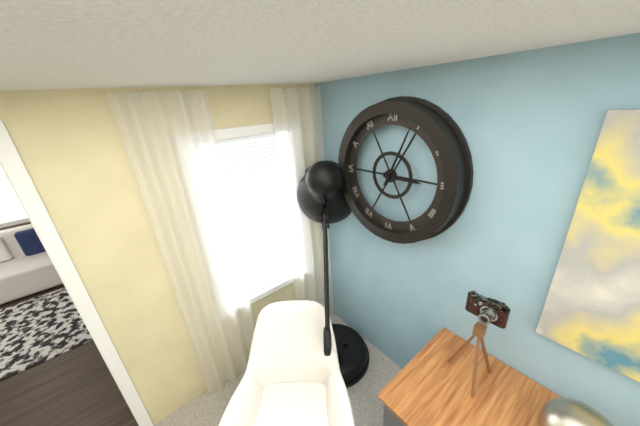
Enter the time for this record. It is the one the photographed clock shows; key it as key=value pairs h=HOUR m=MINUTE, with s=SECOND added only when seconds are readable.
h=3 m=4
